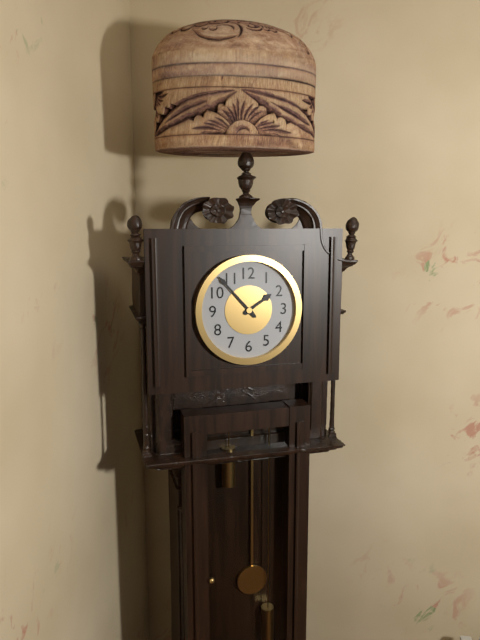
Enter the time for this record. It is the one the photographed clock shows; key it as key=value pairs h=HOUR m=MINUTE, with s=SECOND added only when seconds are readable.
h=1 m=53
